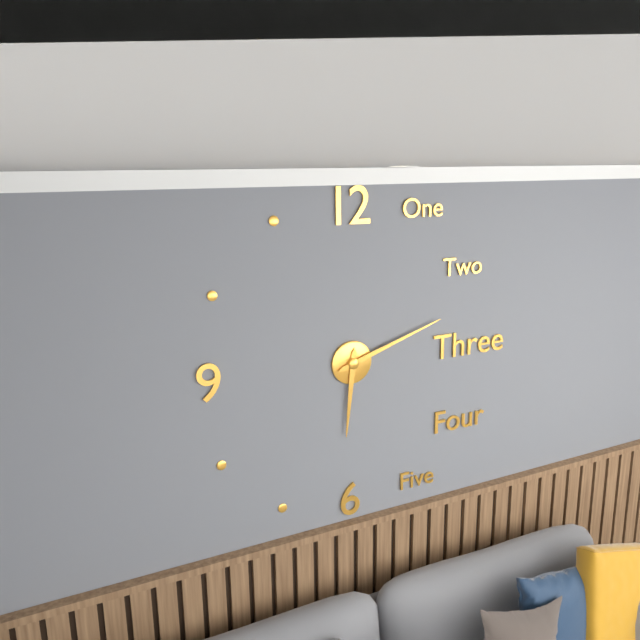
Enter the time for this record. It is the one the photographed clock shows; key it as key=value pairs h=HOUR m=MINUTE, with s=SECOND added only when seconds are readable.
h=6 m=12
